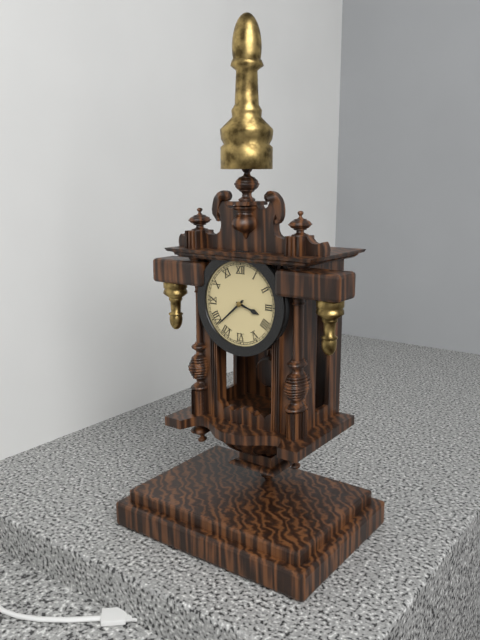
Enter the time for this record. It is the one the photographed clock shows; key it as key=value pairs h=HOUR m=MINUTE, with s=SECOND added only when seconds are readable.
h=3 m=38
